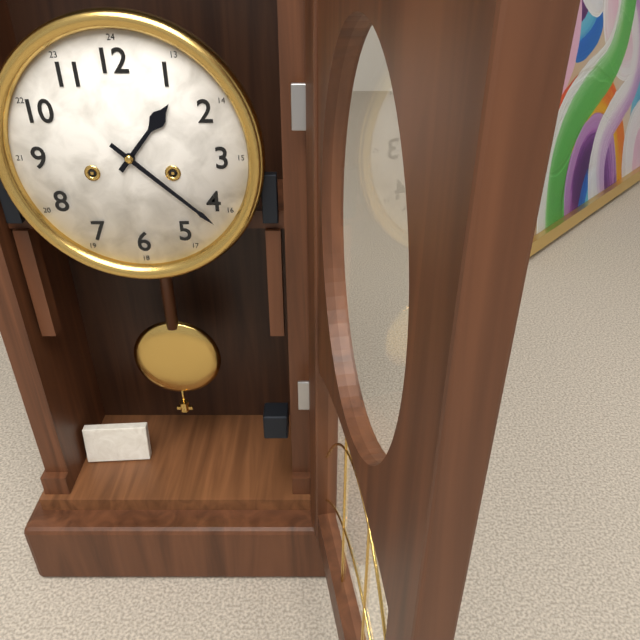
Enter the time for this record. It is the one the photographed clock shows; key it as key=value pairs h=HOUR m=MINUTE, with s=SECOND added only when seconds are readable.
h=1 m=22
